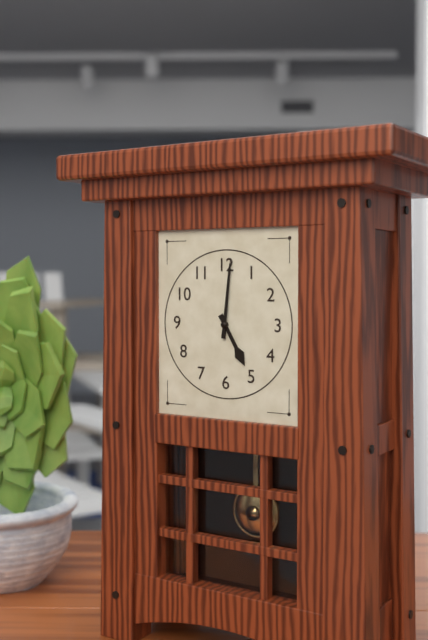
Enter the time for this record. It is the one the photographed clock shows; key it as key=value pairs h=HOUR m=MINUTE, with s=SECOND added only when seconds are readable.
h=5 m=1
